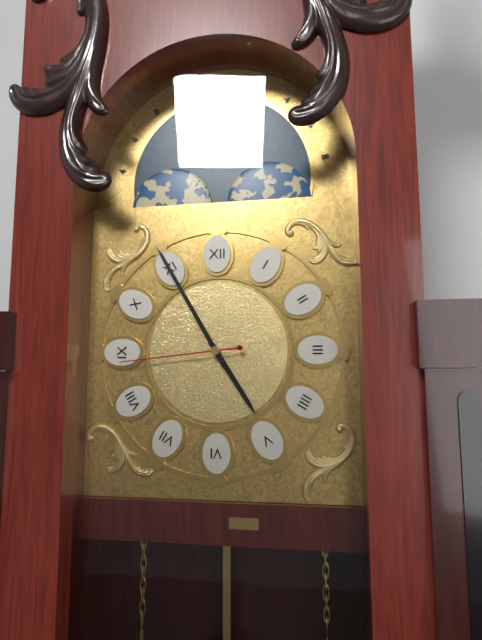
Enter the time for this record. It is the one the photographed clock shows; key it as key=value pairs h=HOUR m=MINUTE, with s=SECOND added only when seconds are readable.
h=4 m=55 s=44
